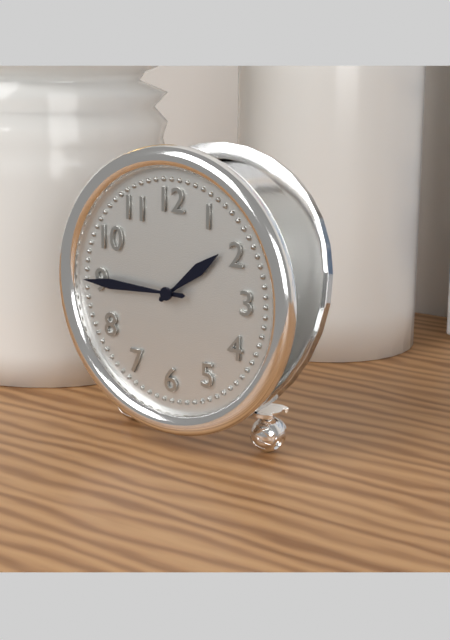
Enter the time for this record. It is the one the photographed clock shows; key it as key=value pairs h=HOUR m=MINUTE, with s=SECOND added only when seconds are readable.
h=1 m=45
